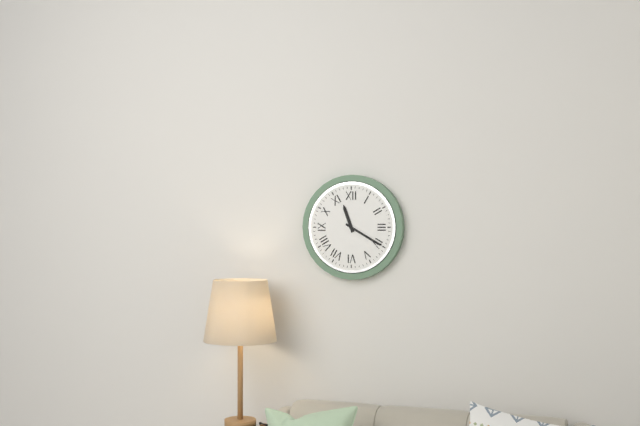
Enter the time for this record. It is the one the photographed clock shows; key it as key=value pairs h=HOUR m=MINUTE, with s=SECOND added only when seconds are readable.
h=11 m=20
